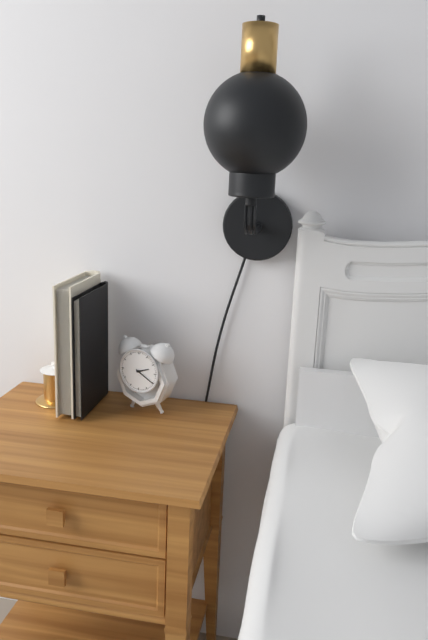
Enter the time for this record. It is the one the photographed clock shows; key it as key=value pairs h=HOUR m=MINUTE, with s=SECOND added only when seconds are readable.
h=2 m=20
